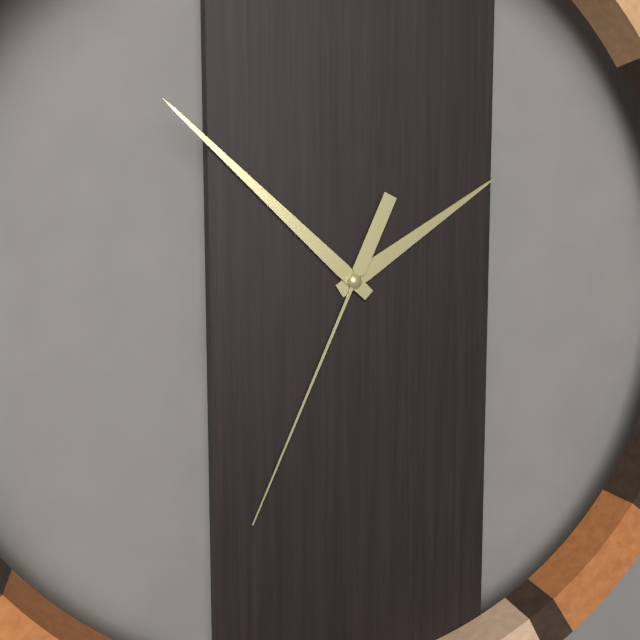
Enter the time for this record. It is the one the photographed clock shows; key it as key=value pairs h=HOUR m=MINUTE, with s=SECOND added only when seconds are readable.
h=1 m=52 s=34
